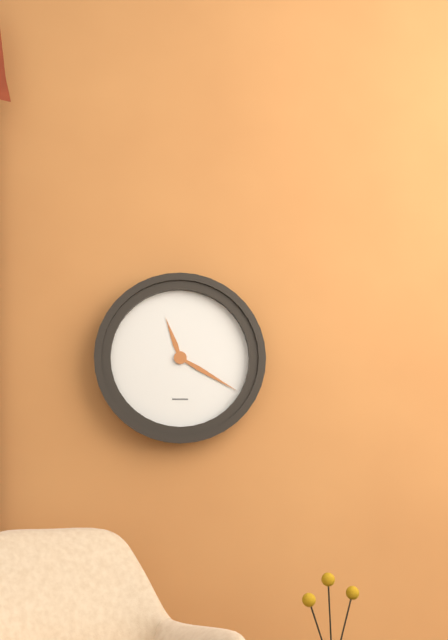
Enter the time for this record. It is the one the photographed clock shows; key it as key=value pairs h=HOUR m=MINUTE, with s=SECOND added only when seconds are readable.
h=11 m=20
